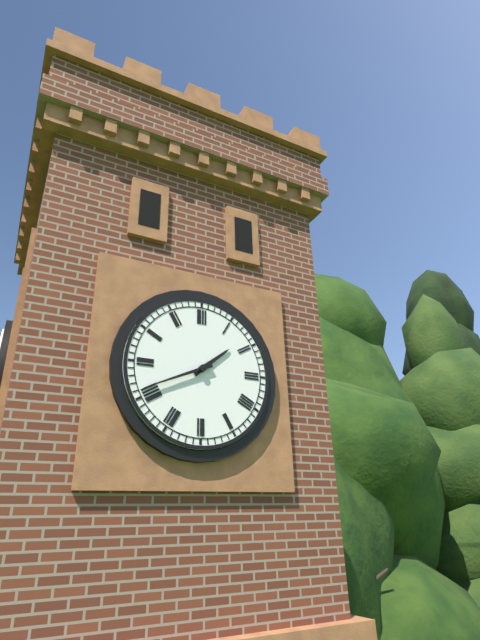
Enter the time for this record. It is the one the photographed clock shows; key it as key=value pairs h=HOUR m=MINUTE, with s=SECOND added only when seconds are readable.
h=1 m=41
